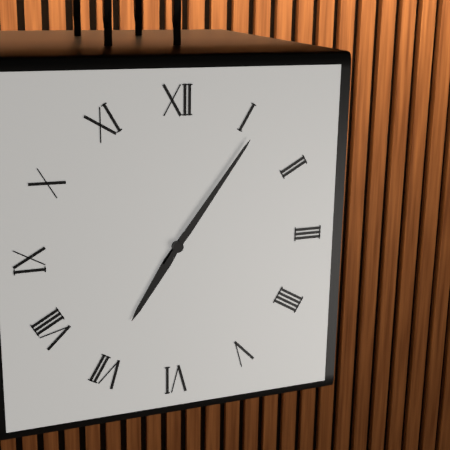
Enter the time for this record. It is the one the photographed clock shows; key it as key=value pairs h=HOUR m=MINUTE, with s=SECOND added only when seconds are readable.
h=7 m=6
